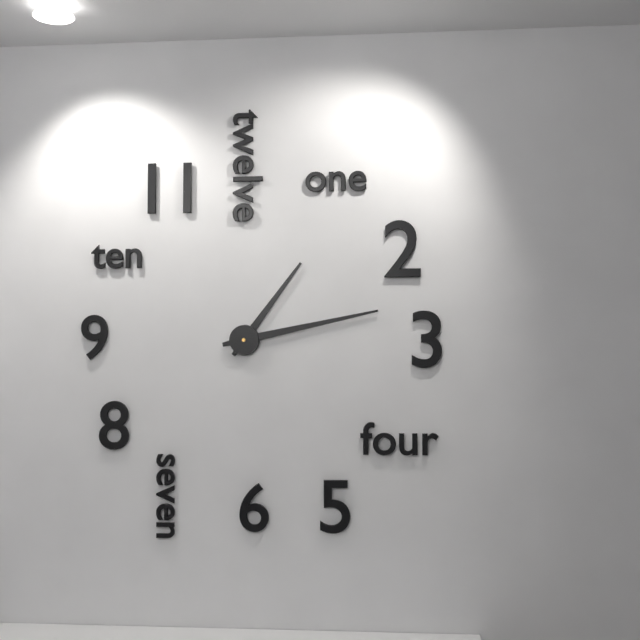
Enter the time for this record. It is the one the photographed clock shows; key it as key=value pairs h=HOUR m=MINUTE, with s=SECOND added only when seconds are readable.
h=1 m=13
